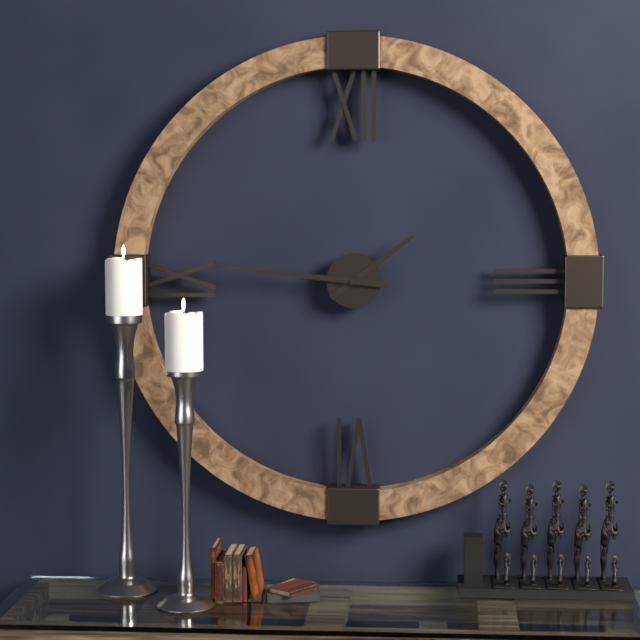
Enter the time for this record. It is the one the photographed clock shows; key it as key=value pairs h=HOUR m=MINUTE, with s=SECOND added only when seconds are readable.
h=1 m=46
